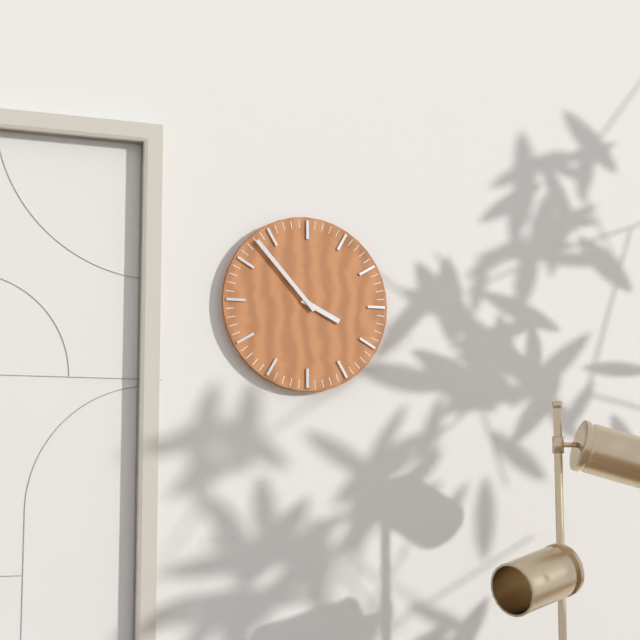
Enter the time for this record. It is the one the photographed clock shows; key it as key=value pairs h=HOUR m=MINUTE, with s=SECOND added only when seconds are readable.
h=3 m=53
